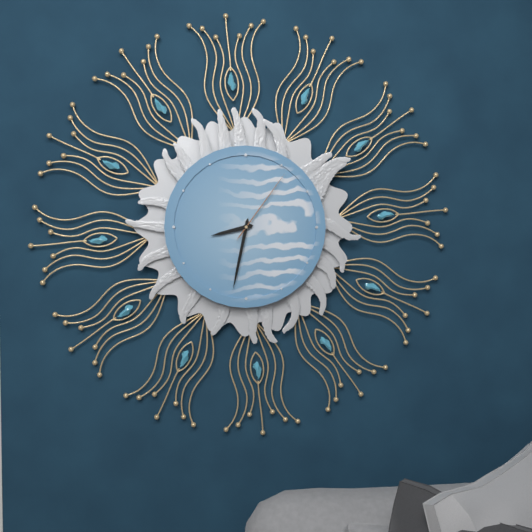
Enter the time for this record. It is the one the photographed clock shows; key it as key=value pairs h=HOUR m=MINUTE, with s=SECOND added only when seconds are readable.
h=8 m=32 s=6
